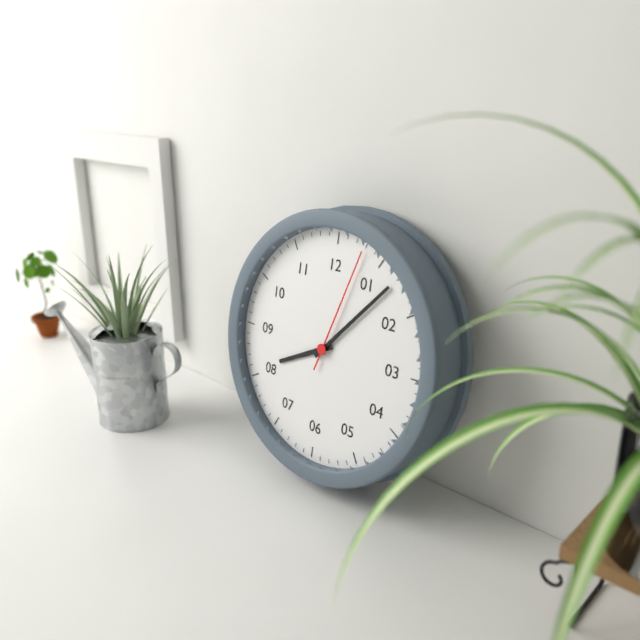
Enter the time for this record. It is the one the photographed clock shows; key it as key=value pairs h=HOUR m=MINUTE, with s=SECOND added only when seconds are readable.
h=8 m=7 s=3
